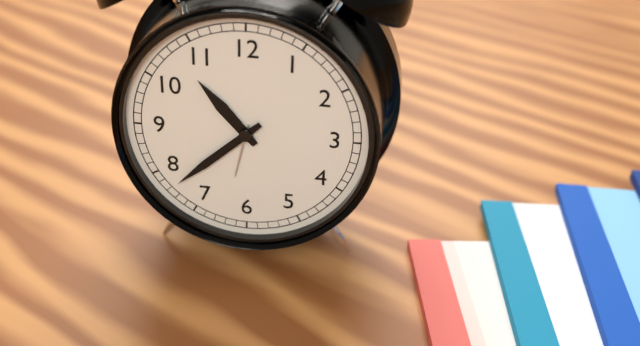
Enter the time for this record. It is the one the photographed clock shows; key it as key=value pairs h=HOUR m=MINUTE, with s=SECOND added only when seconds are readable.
h=10 m=38
